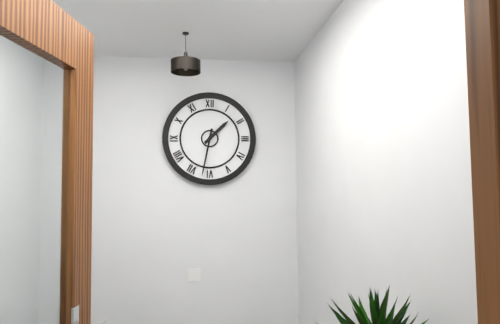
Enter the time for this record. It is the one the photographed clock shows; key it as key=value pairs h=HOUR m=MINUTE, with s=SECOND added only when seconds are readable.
h=1 m=32
